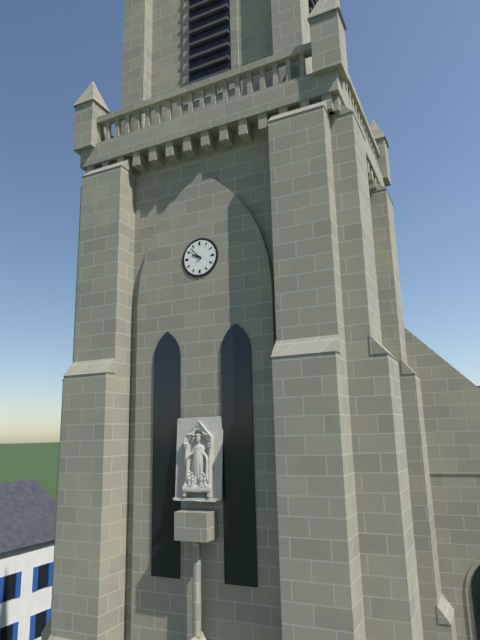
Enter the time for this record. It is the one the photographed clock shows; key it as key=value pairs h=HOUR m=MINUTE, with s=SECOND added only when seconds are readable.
h=9 m=53
